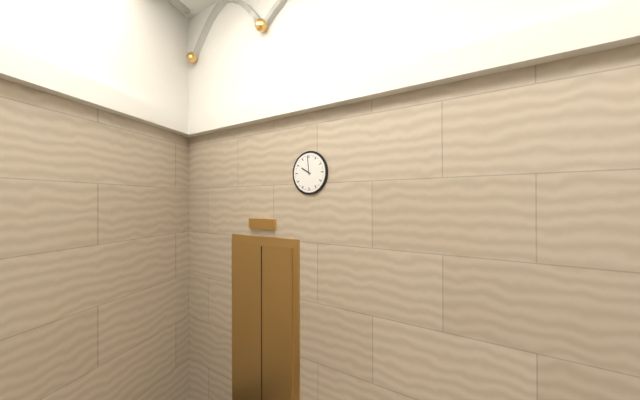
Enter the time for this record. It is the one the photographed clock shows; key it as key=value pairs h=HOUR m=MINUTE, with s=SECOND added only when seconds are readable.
h=9 m=59
